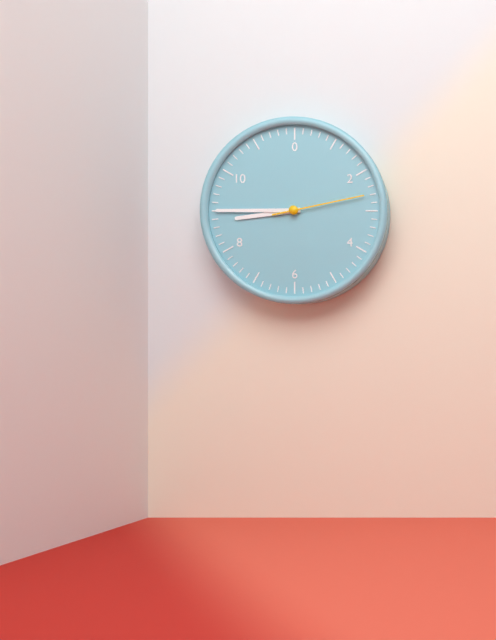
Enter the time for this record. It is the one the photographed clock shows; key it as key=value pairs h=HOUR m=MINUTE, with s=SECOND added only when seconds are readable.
h=8 m=45 s=13
